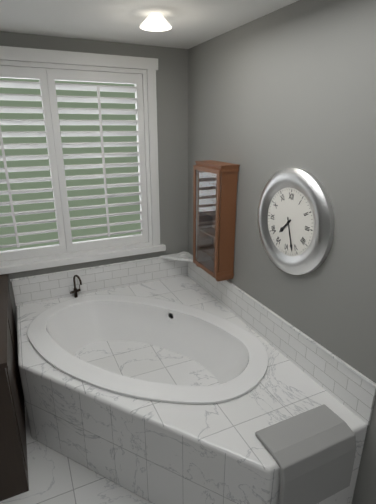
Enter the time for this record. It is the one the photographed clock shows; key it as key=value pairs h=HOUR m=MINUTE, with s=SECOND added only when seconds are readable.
h=7 m=27
